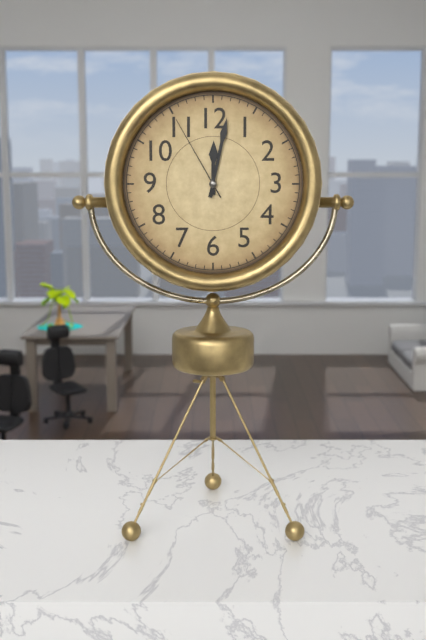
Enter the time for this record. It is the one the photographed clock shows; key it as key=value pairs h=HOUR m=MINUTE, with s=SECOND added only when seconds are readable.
h=12 m=2 s=55
